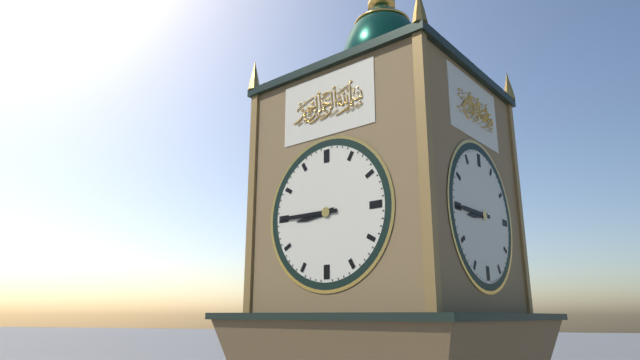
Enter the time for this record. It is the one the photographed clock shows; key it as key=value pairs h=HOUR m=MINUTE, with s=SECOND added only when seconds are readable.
h=8 m=45
